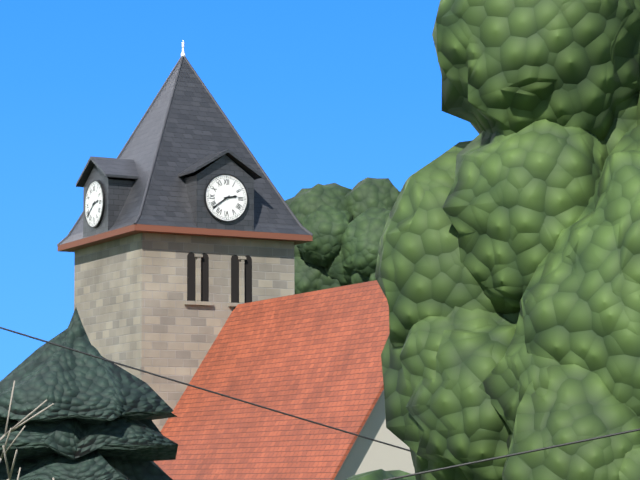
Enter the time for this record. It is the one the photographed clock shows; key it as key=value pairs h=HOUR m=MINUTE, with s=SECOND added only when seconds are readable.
h=2 m=39
